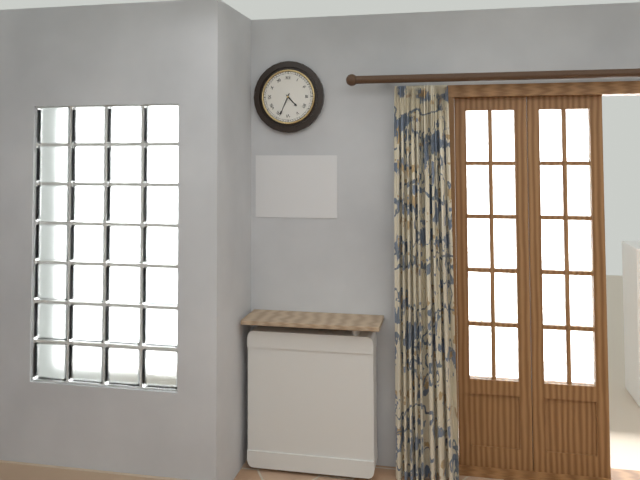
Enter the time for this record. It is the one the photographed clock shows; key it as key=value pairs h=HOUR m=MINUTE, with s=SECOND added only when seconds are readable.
h=4 m=34
